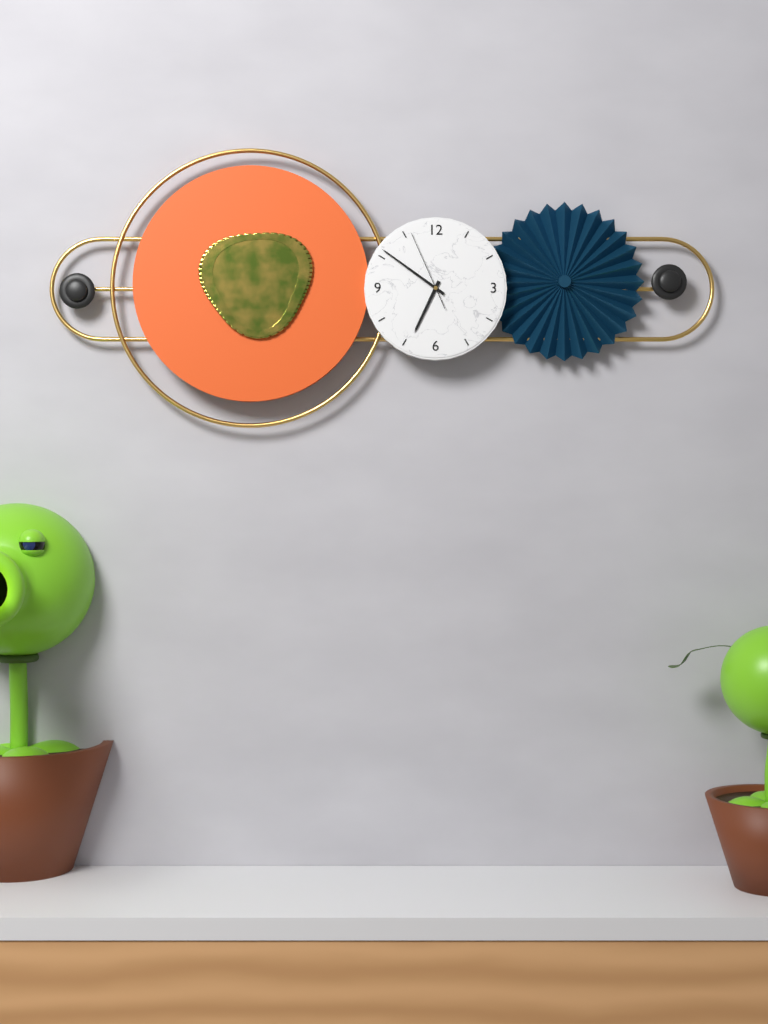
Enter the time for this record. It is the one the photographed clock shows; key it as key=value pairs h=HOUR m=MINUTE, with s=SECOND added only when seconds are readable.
h=6 m=51 s=56
